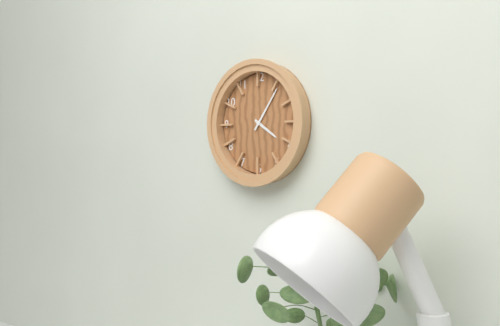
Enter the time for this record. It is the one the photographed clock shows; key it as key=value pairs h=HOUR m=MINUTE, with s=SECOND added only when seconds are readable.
h=4 m=6
